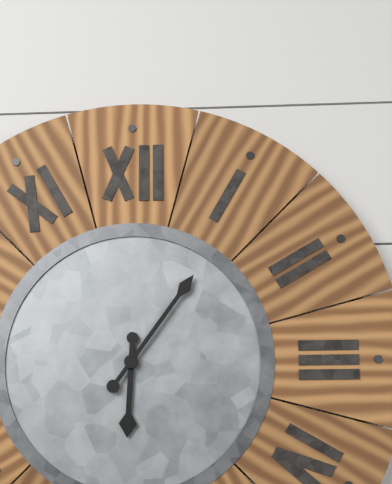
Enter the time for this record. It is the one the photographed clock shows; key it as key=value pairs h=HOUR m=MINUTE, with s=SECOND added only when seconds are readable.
h=6 m=6
